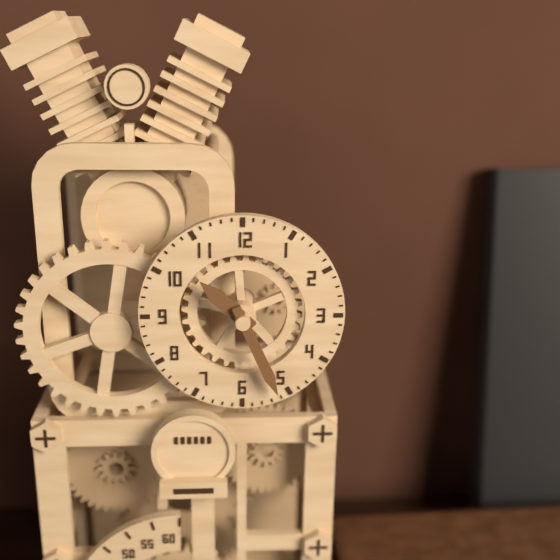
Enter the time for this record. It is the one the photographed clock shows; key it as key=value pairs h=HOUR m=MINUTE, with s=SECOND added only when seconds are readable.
h=10 m=26
